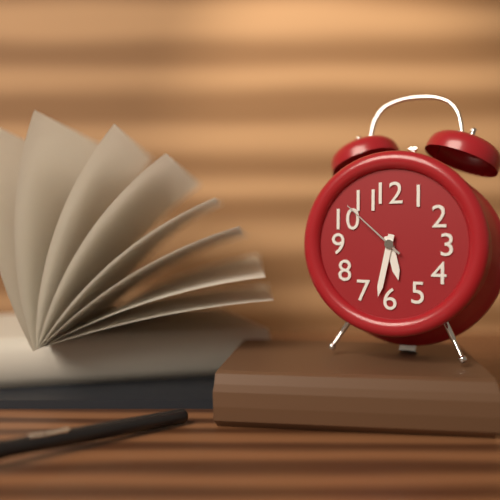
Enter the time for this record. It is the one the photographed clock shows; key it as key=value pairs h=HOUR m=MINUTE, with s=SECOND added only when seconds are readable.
h=5 m=32 s=52
